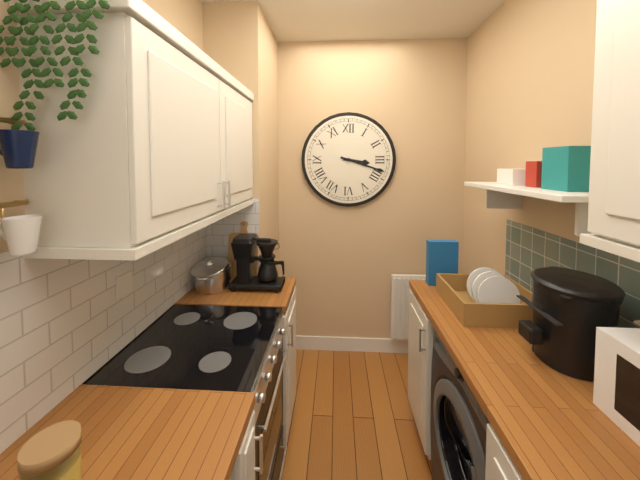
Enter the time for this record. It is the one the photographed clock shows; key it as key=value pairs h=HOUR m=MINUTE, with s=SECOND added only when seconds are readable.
h=3 m=18
